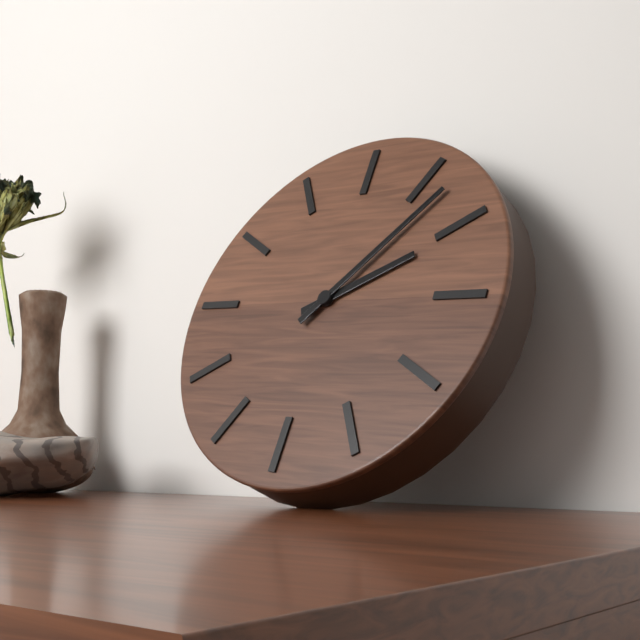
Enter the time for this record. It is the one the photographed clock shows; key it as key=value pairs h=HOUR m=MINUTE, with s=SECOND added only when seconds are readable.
h=2 m=7
